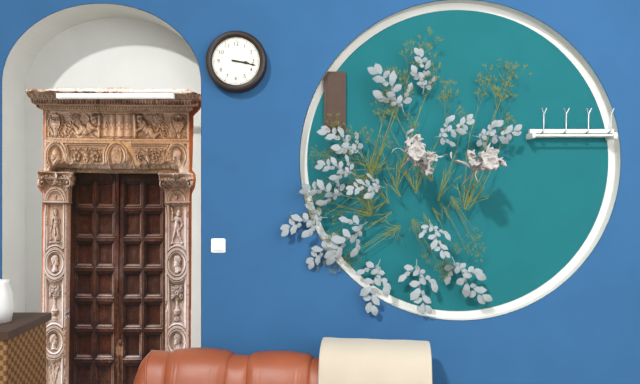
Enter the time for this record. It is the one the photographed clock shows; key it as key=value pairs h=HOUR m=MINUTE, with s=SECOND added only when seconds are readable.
h=3 m=17
